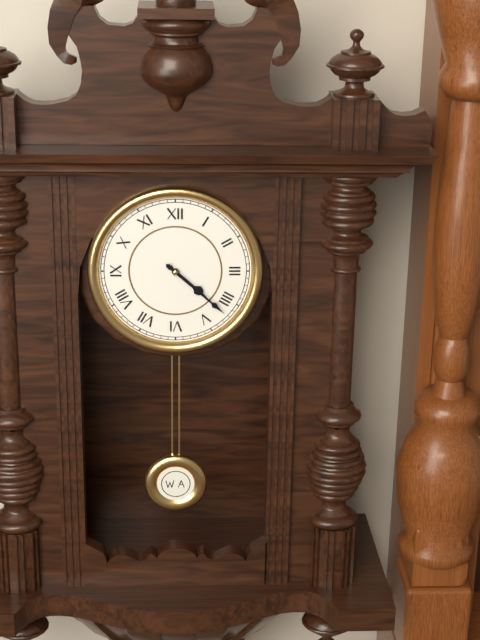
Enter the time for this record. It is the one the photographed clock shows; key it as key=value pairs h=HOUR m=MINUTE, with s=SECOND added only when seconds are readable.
h=4 m=22
